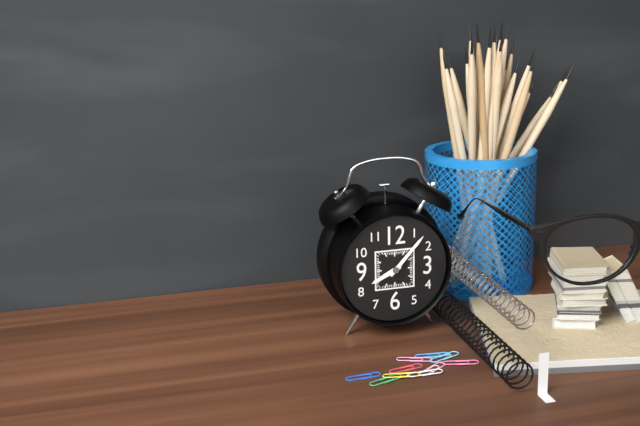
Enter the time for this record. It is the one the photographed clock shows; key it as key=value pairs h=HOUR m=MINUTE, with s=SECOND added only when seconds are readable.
h=8 m=7
